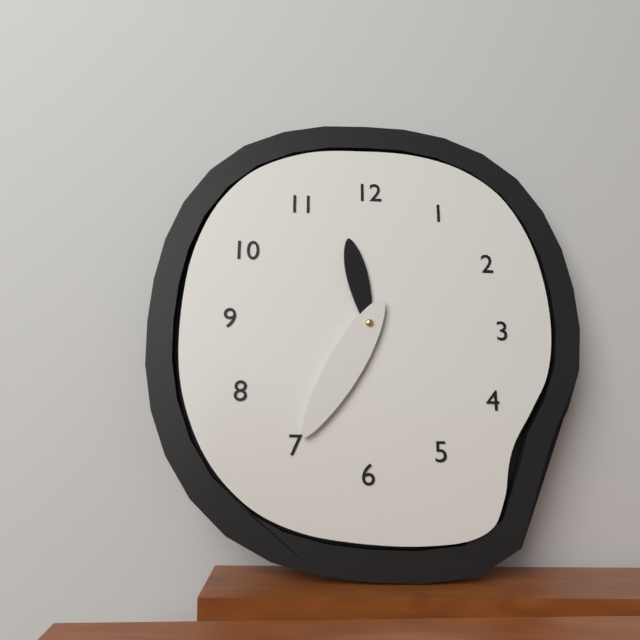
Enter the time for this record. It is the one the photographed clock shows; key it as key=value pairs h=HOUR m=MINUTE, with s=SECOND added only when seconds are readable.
h=11 m=35
